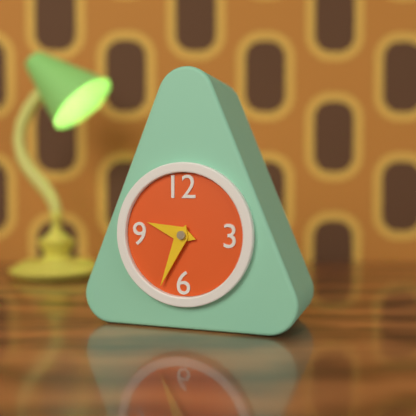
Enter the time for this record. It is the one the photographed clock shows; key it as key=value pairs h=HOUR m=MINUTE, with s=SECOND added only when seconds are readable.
h=9 m=34
